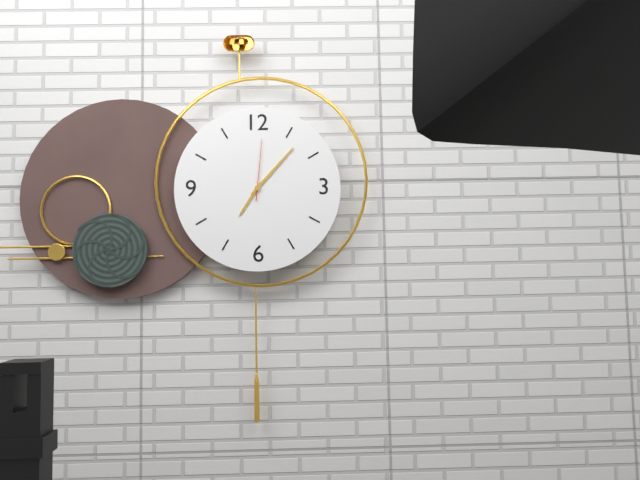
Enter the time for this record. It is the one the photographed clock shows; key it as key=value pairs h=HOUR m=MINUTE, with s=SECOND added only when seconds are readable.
h=7 m=7 s=1
